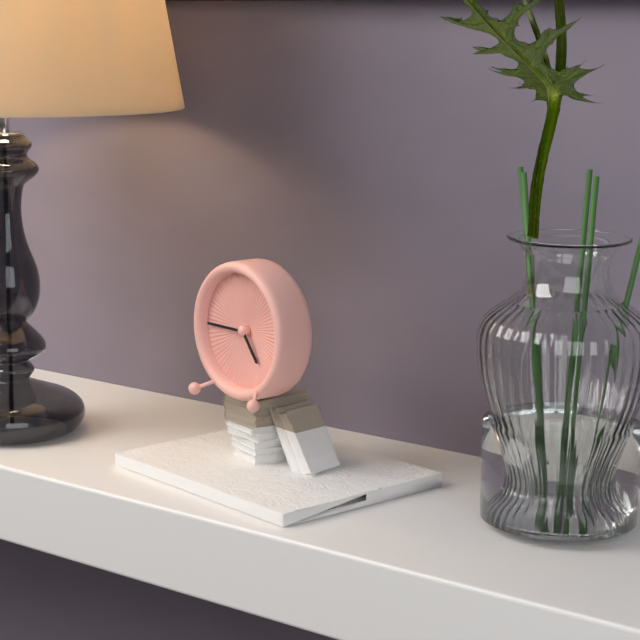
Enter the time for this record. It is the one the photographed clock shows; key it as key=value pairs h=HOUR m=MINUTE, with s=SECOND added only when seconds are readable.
h=4 m=45
